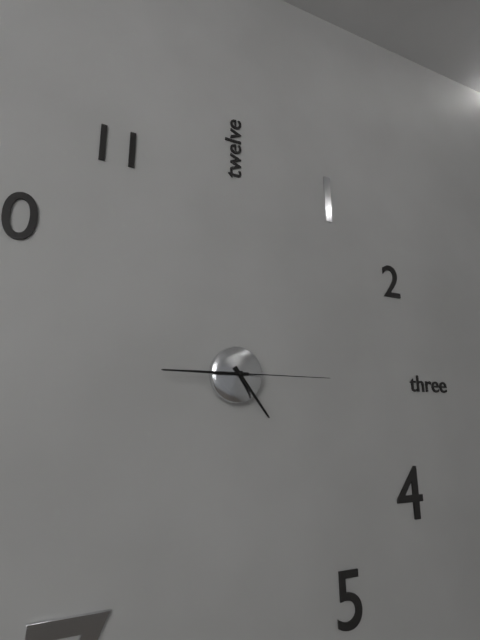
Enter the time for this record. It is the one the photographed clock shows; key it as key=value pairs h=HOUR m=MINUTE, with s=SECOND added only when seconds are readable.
h=4 m=45 s=15
